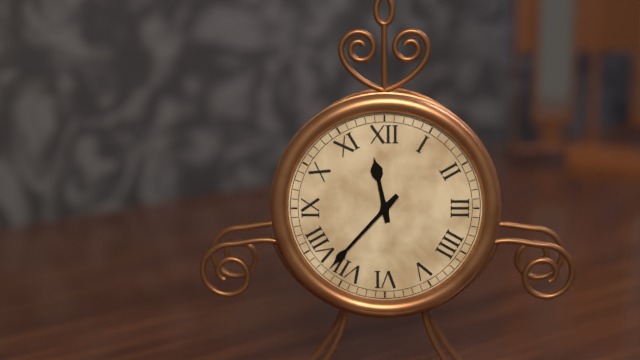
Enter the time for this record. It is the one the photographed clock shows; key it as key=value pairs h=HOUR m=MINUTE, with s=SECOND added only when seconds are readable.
h=11 m=37
